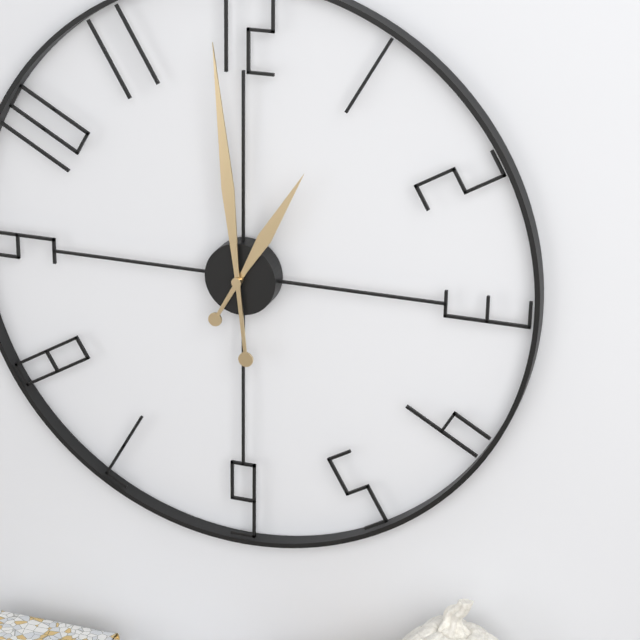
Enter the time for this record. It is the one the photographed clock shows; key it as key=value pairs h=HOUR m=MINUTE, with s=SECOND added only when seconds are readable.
h=12 m=59
